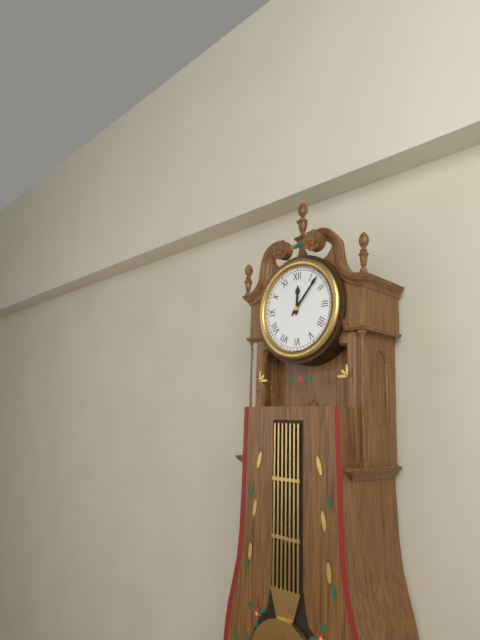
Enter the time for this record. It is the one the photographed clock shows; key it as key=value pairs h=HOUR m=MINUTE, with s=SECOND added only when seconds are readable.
h=12 m=7
